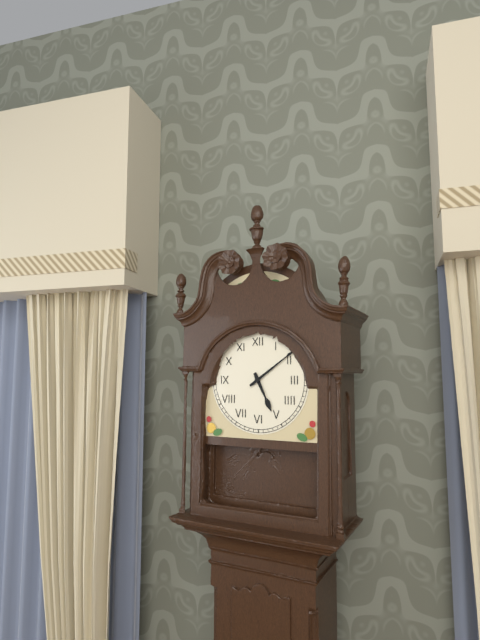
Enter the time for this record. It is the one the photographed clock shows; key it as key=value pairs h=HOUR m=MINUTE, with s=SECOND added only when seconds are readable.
h=5 m=9
